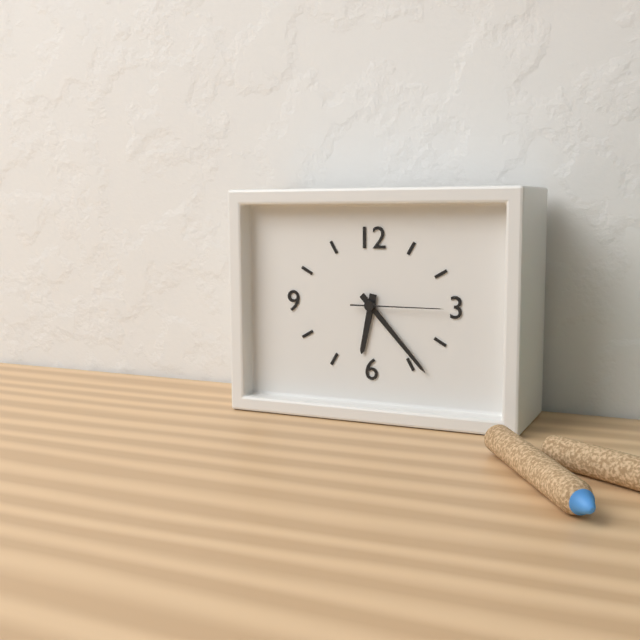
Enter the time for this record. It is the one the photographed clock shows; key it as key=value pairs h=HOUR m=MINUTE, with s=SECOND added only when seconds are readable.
h=6 m=23 s=15
